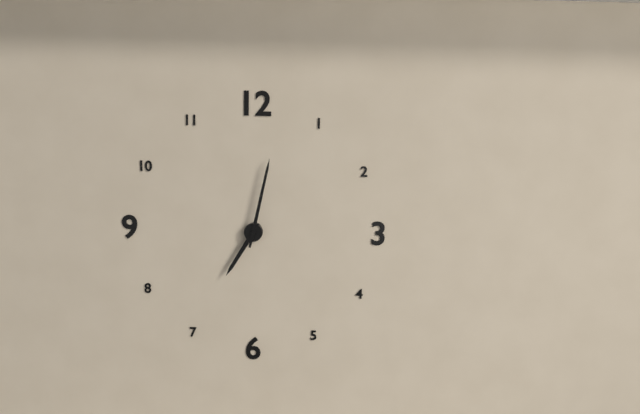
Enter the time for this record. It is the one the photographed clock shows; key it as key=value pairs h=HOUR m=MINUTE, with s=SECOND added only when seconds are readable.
h=7 m=2
